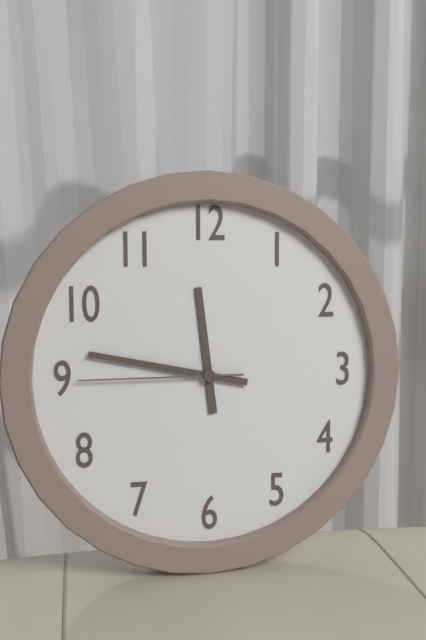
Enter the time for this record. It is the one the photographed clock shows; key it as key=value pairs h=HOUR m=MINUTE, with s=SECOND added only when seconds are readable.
h=11 m=47 s=45
